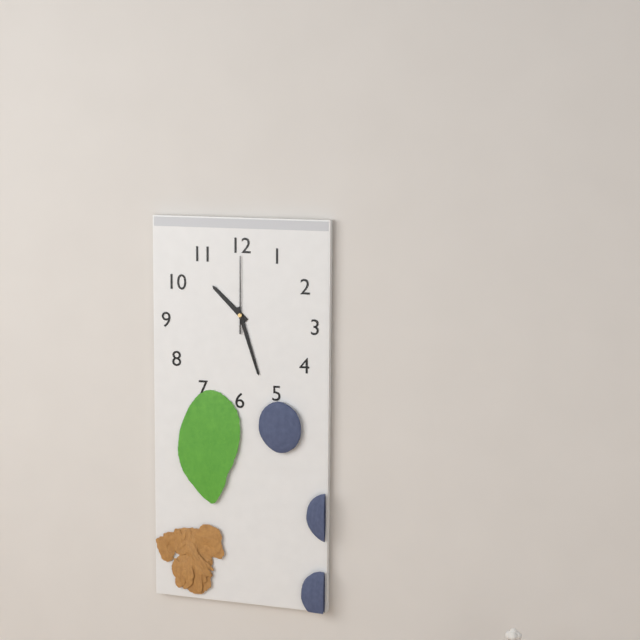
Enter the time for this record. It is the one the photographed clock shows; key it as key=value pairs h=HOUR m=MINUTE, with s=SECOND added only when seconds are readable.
h=10 m=27 s=0
